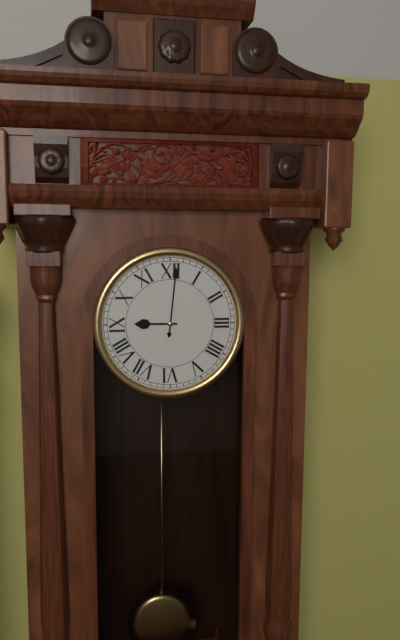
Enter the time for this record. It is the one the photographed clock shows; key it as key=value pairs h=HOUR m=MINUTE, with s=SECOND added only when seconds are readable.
h=9 m=1
